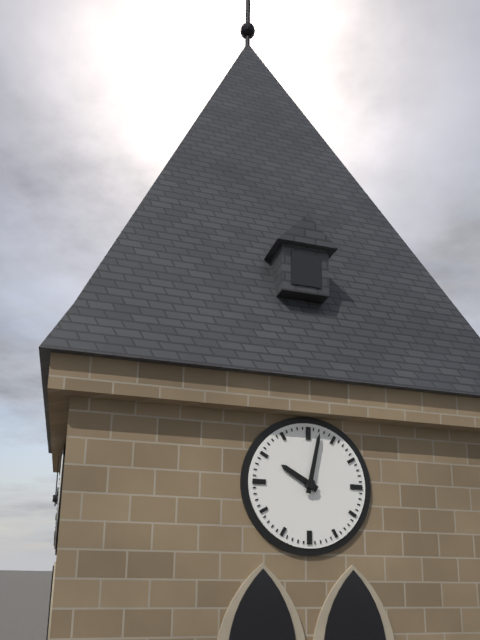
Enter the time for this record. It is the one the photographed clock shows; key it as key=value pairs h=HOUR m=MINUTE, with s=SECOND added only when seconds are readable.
h=10 m=2
